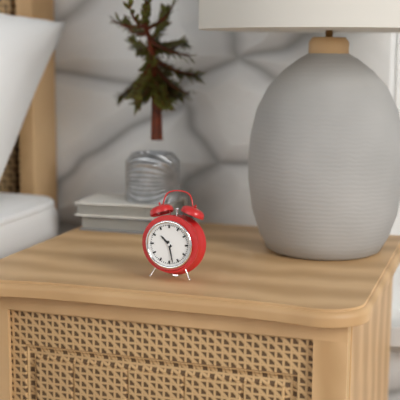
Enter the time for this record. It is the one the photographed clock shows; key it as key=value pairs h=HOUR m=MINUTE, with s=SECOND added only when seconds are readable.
h=10 m=28
